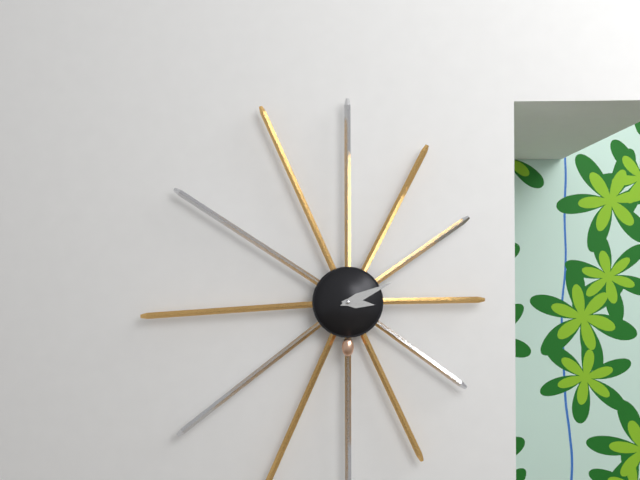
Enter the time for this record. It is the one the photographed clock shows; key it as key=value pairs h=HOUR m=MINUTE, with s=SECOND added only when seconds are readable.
h=3 m=11
